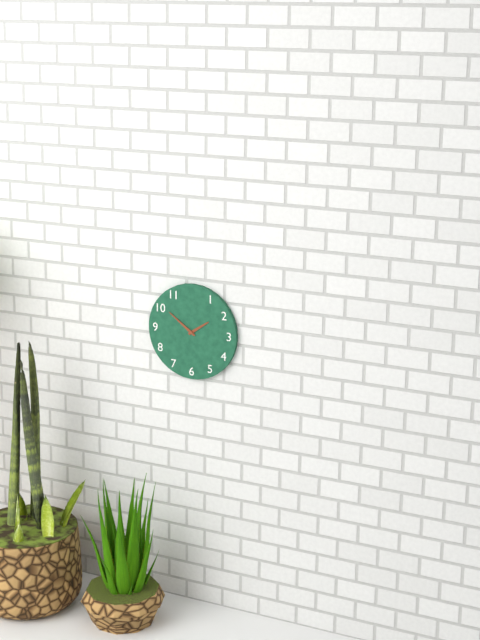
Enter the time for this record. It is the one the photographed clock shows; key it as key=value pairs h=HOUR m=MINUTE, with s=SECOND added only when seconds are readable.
h=1 m=51
